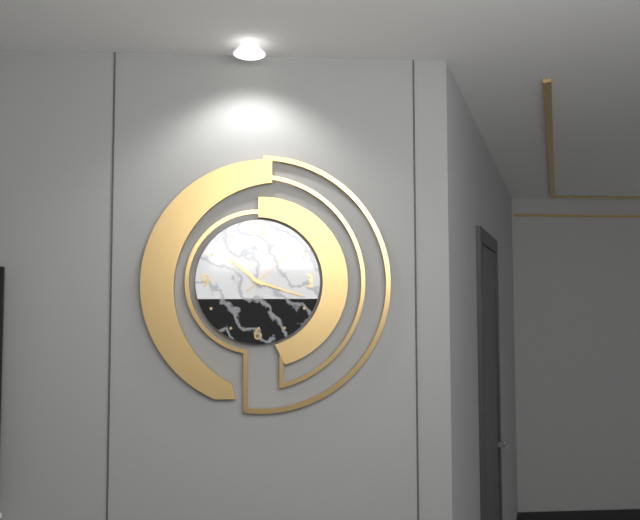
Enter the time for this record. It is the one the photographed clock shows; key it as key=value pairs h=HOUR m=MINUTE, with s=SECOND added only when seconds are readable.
h=10 m=18 s=8
